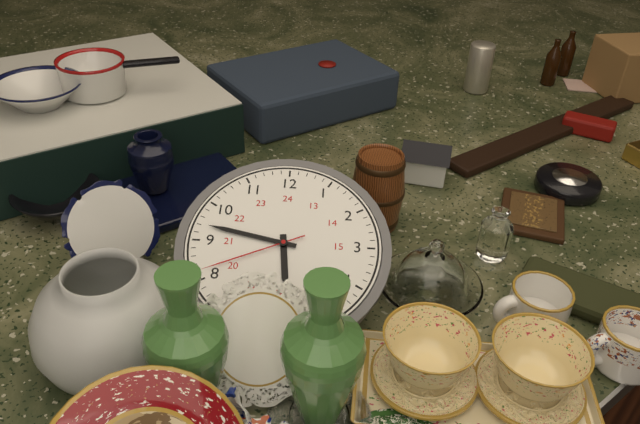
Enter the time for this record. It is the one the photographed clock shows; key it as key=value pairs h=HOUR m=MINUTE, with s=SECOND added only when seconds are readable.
h=5 m=47 s=41
